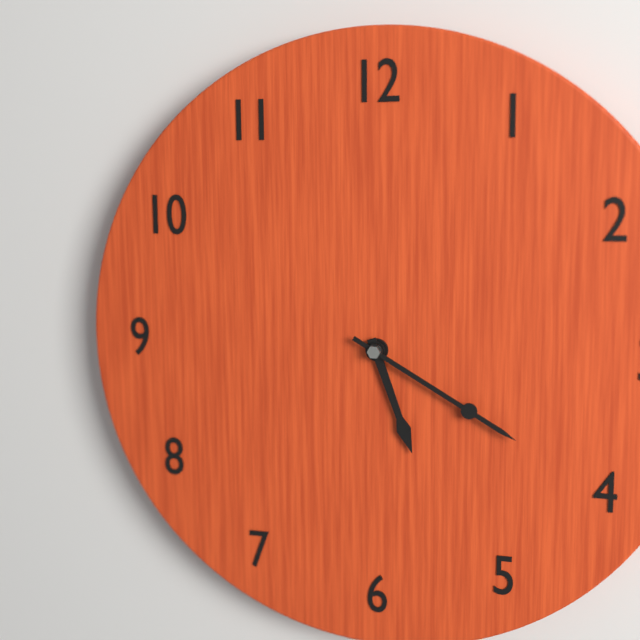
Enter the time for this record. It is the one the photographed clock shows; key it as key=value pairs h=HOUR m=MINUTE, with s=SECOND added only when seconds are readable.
h=5 m=20
